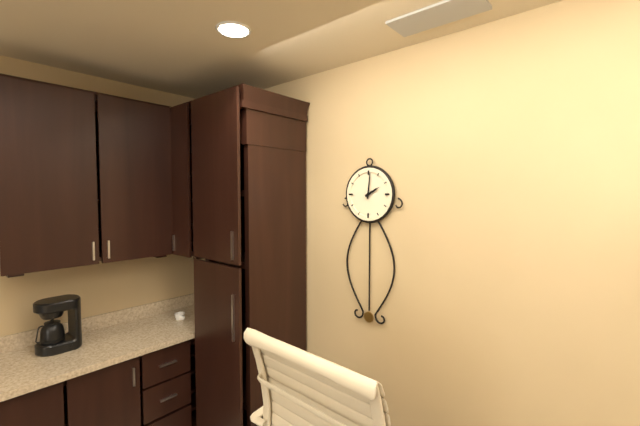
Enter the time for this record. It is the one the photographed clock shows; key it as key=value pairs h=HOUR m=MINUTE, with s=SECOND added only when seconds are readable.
h=2 m=1
